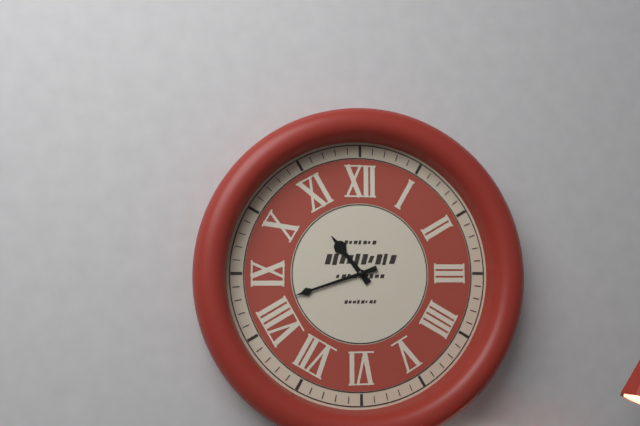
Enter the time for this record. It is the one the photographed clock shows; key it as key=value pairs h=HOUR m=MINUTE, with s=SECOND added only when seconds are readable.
h=10 m=42
